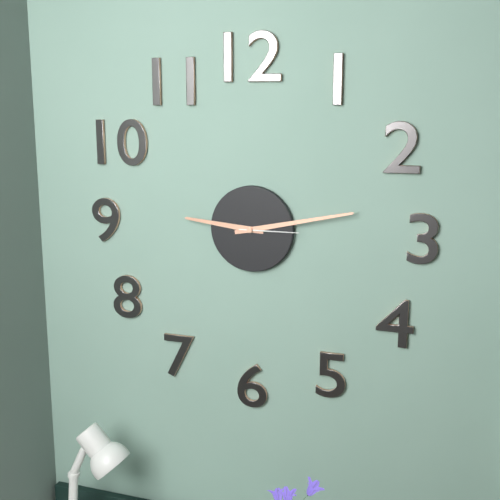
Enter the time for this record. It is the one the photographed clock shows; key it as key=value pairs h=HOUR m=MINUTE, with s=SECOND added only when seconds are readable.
h=9 m=13 s=15
